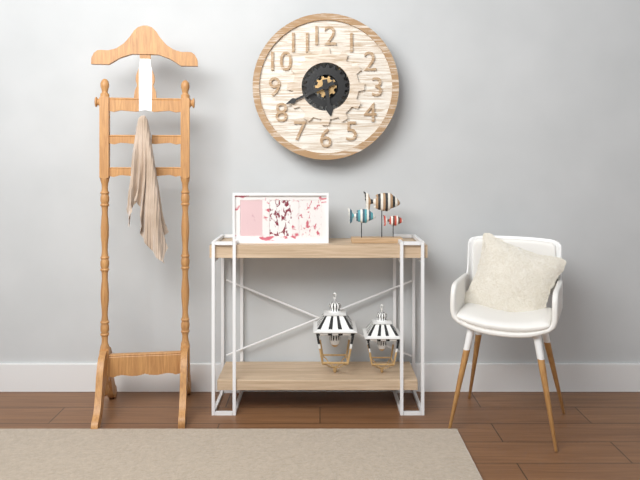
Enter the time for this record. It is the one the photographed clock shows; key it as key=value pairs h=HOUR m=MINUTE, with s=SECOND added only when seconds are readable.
h=5 m=41
